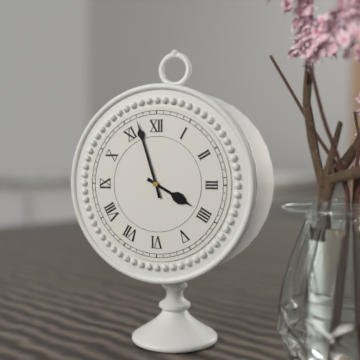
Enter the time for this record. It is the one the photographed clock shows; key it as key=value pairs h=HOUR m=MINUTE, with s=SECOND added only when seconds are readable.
h=3 m=57
